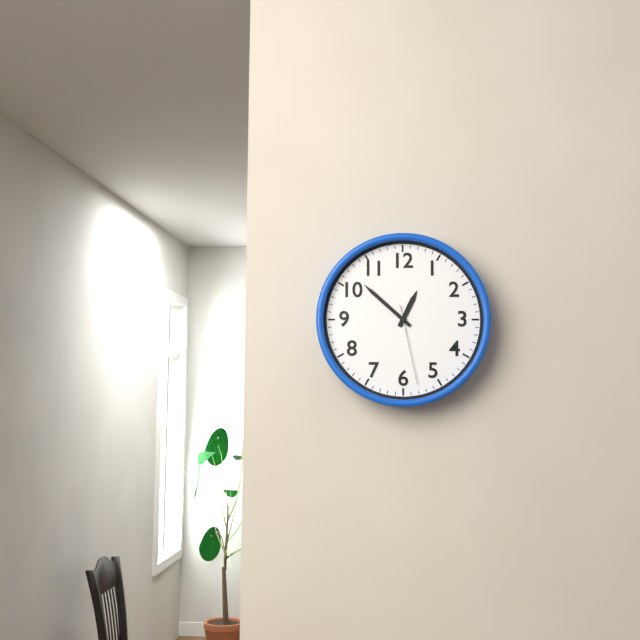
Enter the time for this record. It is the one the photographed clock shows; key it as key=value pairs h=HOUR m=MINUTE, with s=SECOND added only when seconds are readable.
h=12 m=52 s=28
